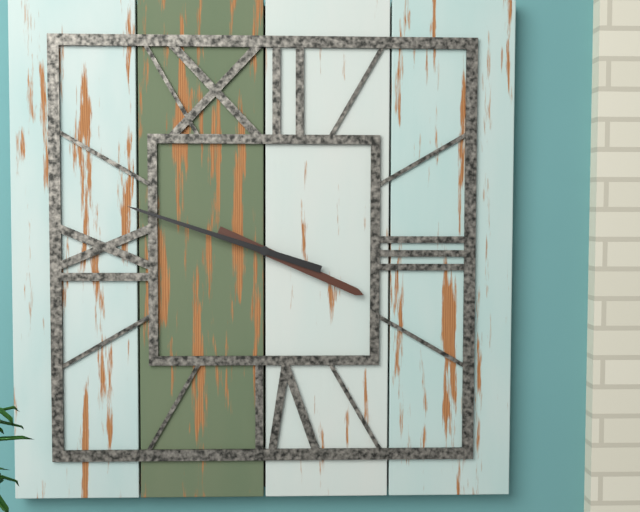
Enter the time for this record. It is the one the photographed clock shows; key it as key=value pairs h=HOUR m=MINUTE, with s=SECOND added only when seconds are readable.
h=3 m=48
